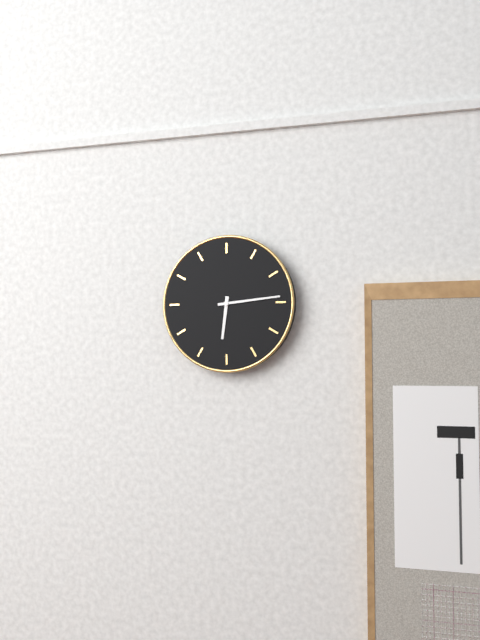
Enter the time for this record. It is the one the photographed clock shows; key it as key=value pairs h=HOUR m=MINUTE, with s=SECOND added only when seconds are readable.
h=6 m=14
